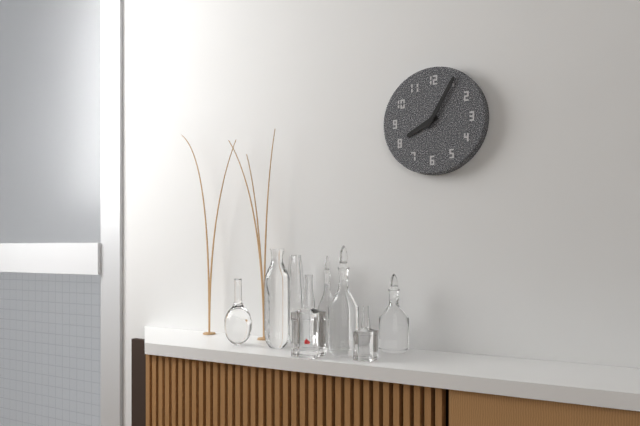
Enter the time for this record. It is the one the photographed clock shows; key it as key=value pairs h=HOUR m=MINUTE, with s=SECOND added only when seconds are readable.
h=8 m=5
